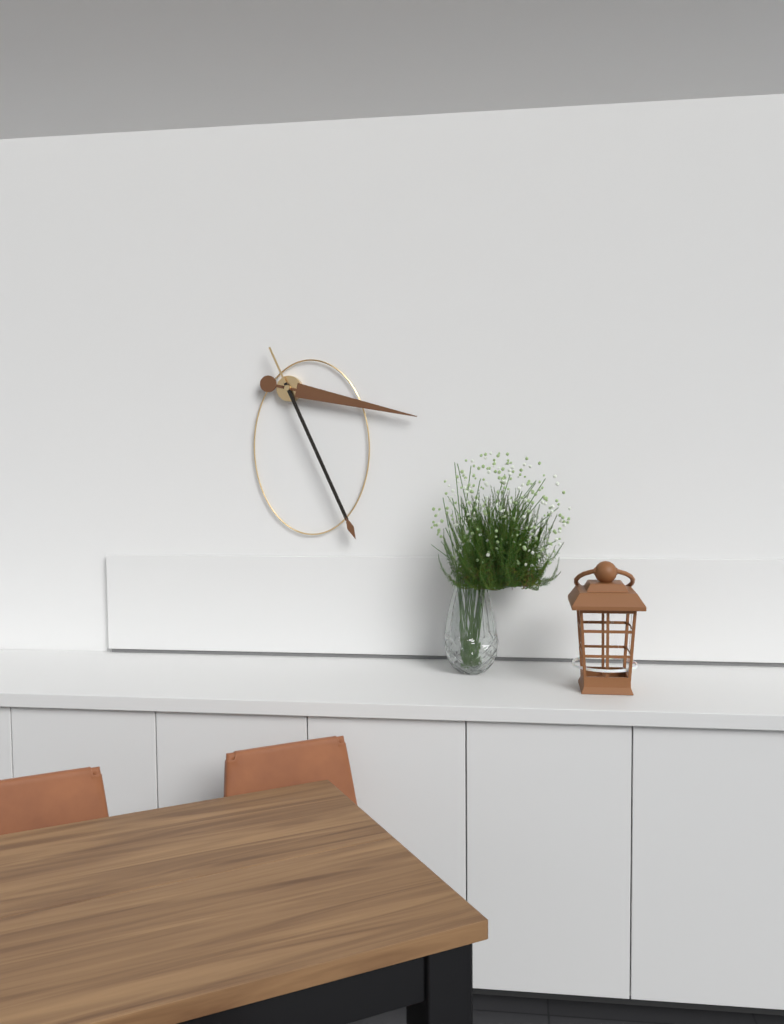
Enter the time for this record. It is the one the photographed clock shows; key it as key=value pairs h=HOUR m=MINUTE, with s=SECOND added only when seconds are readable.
h=3 m=26
